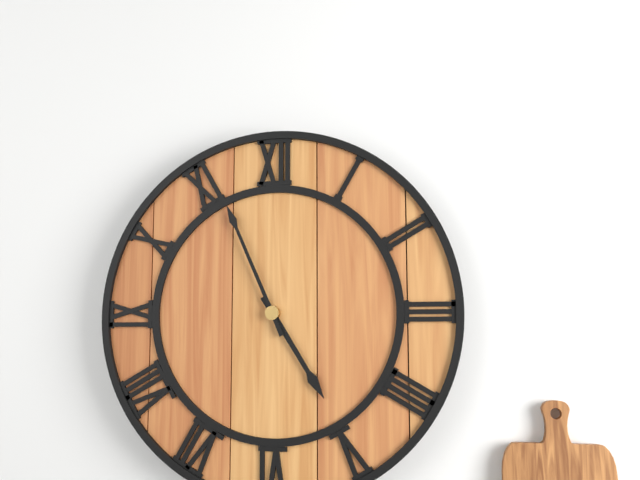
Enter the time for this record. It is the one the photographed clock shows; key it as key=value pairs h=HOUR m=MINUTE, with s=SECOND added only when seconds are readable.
h=4 m=56
